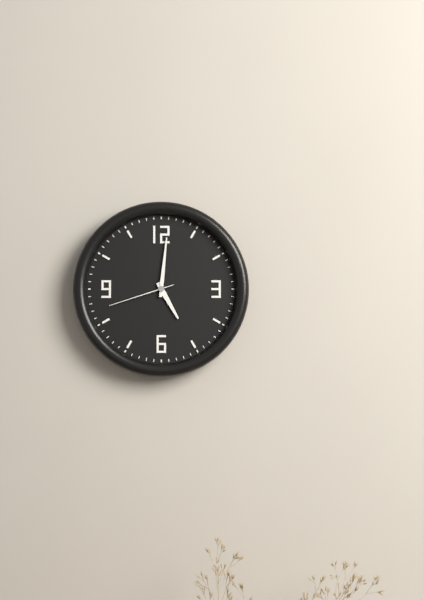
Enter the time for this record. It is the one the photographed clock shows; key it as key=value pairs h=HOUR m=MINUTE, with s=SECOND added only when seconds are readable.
h=5 m=1 s=42
